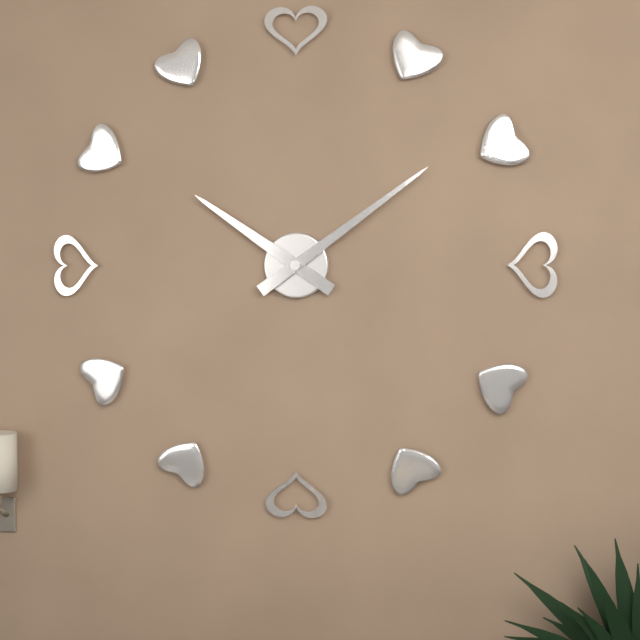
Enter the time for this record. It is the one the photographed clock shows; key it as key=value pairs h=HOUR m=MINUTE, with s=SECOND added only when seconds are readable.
h=10 m=9
